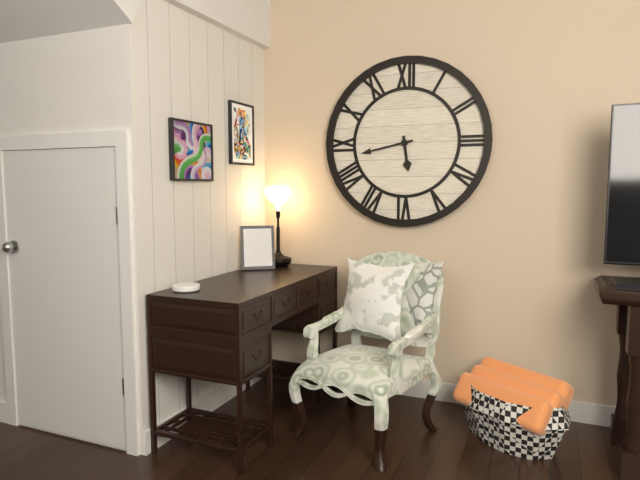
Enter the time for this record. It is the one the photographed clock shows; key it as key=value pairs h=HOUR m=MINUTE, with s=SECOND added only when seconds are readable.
h=5 m=43
